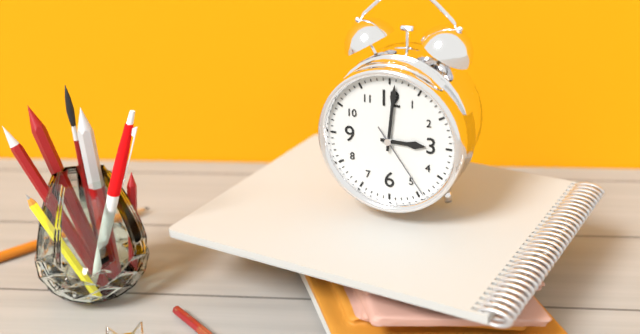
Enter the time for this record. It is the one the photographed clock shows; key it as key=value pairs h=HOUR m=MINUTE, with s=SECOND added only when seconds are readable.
h=3 m=1 s=24
